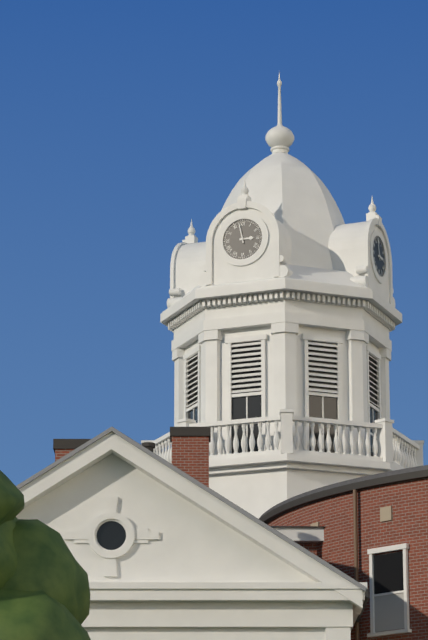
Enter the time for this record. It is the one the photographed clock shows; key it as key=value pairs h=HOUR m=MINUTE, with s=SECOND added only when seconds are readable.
h=2 m=58
